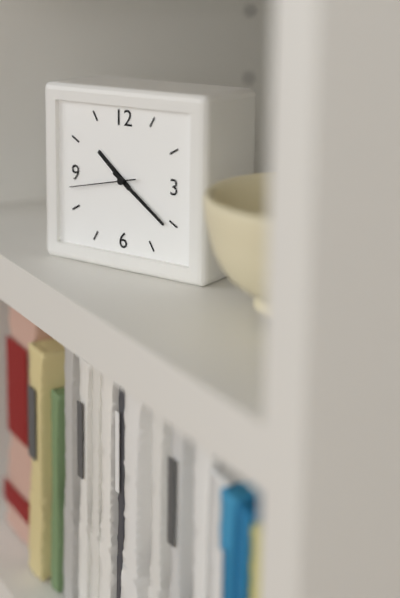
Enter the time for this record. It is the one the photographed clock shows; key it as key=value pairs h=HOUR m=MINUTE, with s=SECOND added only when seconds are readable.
h=10 m=21 s=43
